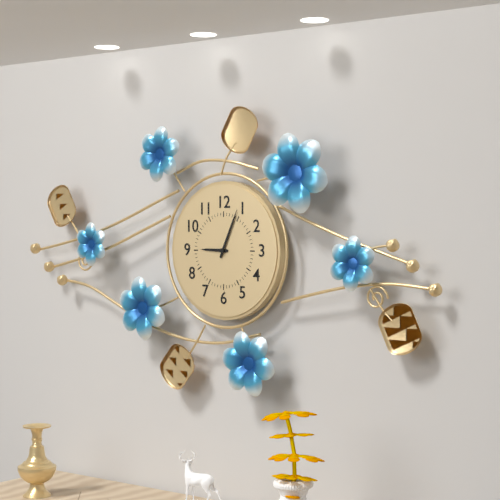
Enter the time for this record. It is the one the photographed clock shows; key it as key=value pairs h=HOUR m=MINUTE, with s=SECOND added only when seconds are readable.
h=9 m=4
